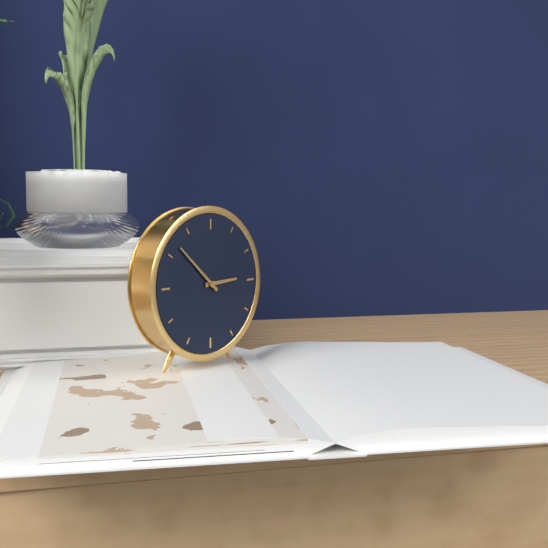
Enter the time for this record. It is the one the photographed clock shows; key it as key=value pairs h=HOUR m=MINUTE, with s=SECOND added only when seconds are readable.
h=2 m=52
